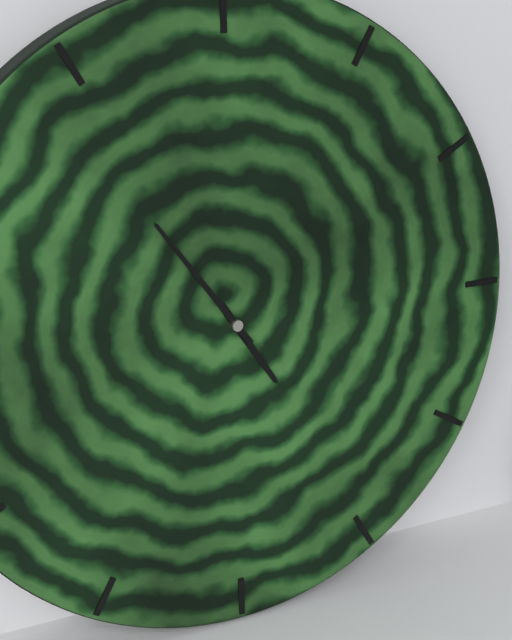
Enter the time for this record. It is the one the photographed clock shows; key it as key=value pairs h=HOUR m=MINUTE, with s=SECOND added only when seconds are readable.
h=4 m=54
